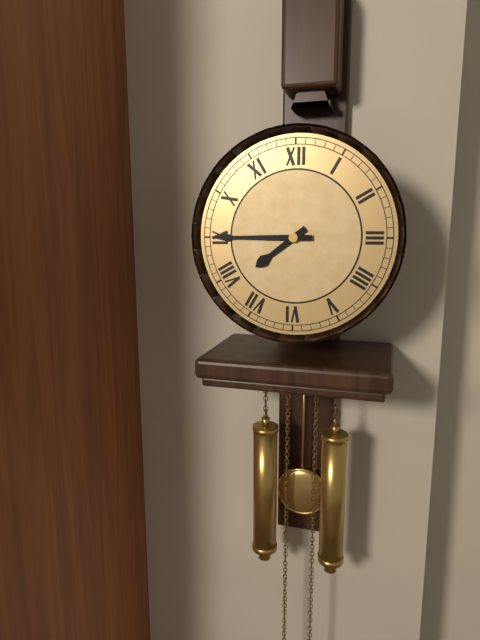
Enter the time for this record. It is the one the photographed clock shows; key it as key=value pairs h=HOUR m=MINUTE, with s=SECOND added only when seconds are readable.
h=7 m=45
